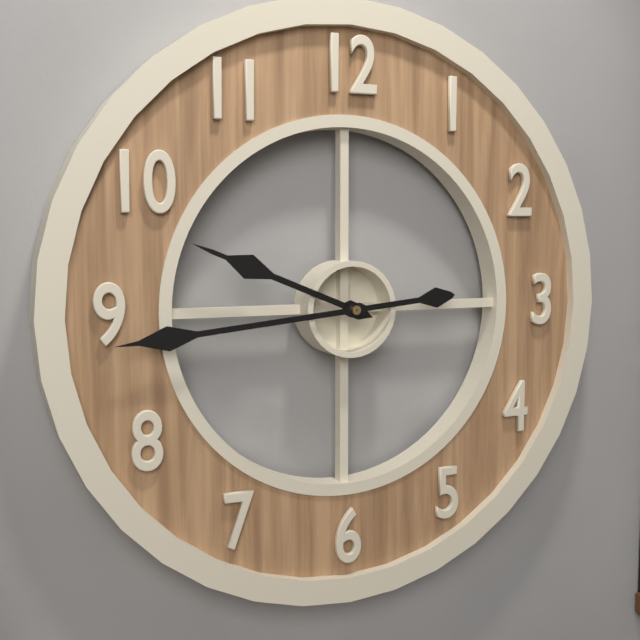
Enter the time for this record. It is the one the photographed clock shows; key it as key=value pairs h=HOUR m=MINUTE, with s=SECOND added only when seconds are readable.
h=9 m=44
